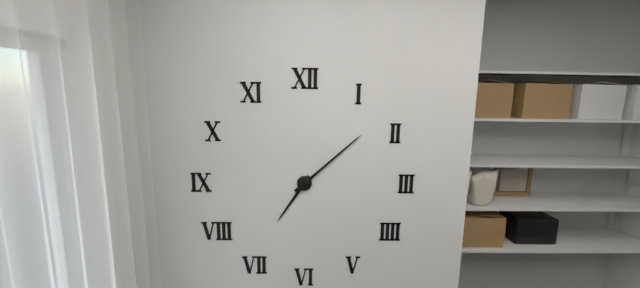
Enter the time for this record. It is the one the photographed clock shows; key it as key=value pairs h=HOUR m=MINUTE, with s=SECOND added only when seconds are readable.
h=7 m=8
